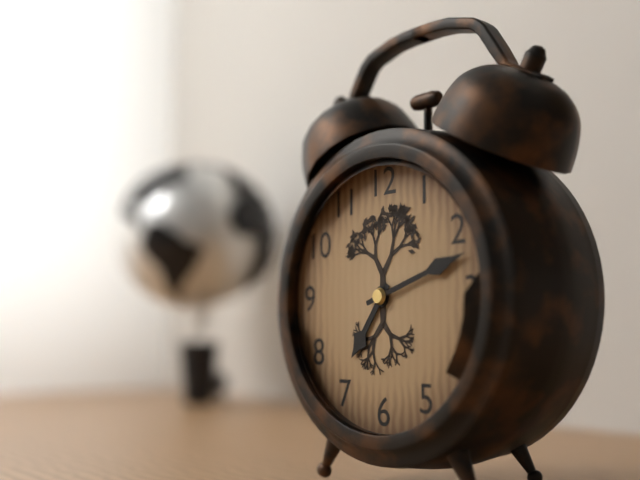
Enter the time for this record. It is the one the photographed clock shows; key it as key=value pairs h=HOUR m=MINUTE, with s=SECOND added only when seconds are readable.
h=7 m=12
